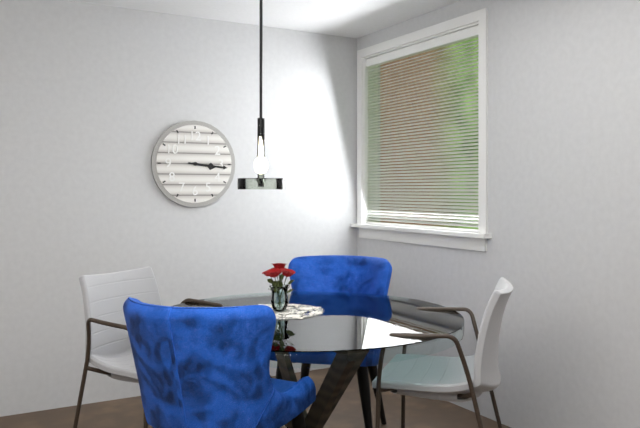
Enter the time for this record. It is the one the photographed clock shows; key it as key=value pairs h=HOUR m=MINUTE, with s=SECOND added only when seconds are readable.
h=3 m=16
